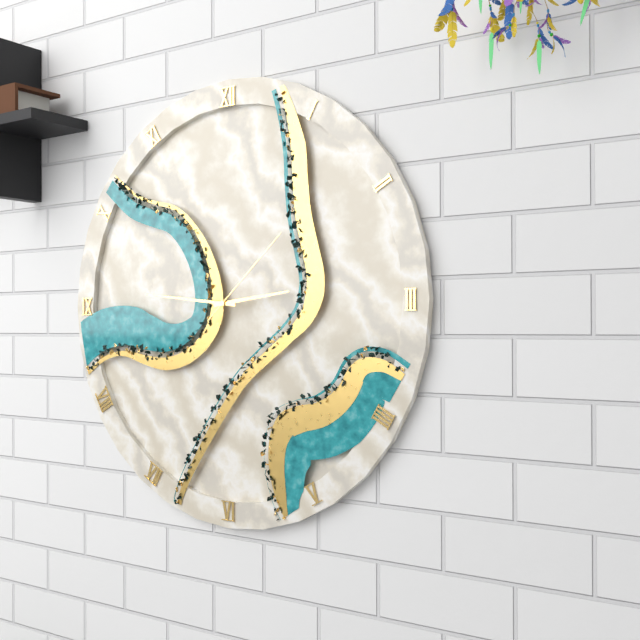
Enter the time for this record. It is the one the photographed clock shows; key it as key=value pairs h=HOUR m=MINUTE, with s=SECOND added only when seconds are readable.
h=2 m=46 s=8
